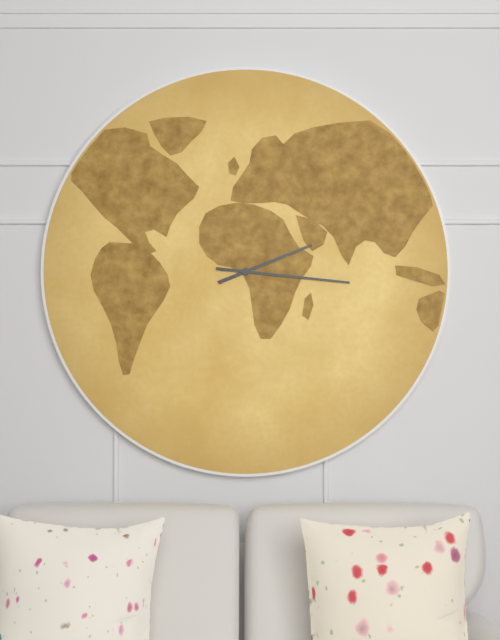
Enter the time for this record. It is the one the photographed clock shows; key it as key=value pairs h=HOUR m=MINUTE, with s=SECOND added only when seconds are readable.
h=2 m=16
